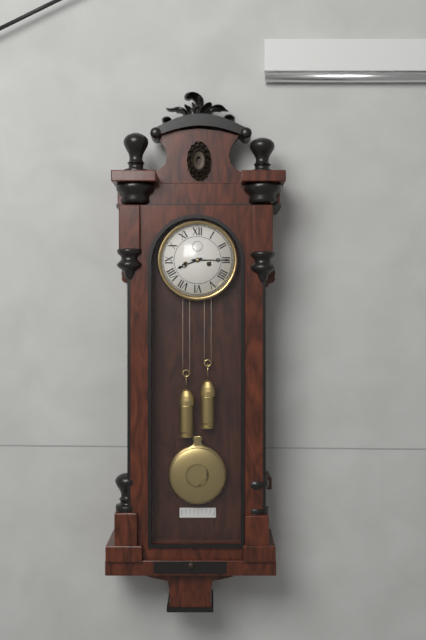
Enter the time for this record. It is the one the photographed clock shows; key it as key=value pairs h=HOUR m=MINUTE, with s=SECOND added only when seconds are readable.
h=8 m=15
